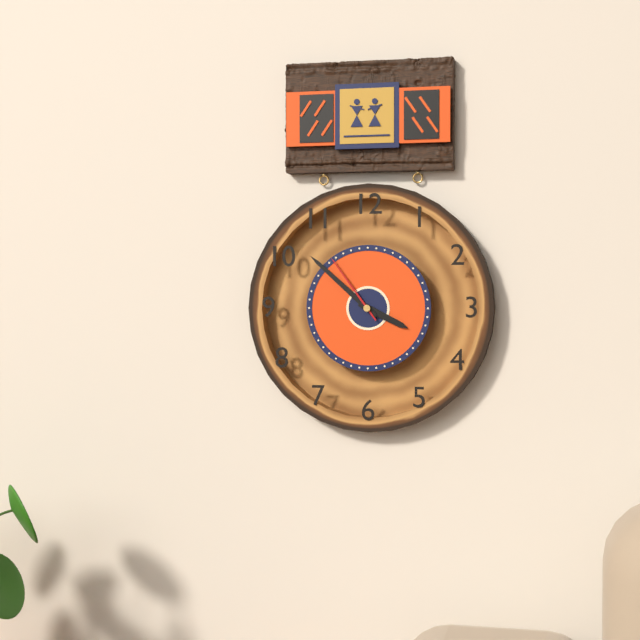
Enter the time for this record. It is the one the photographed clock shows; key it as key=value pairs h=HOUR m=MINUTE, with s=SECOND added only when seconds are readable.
h=3 m=52 s=54
